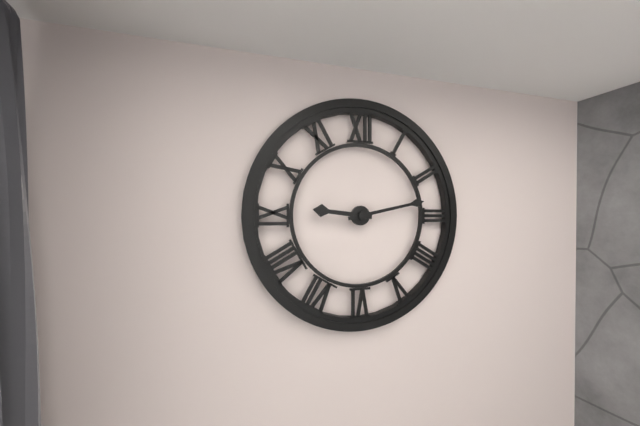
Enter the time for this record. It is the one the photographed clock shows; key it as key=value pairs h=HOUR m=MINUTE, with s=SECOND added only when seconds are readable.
h=9 m=13
